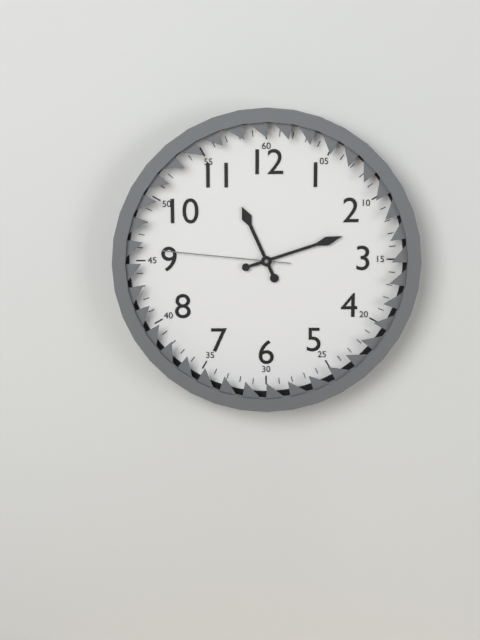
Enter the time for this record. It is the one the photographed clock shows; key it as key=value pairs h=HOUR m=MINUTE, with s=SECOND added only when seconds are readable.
h=11 m=12 s=46
